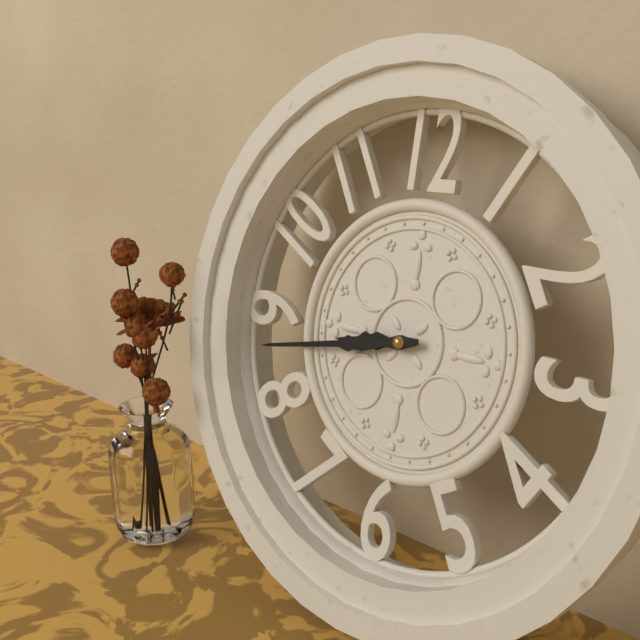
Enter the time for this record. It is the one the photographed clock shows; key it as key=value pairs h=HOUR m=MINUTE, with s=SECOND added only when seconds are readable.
h=8 m=43
